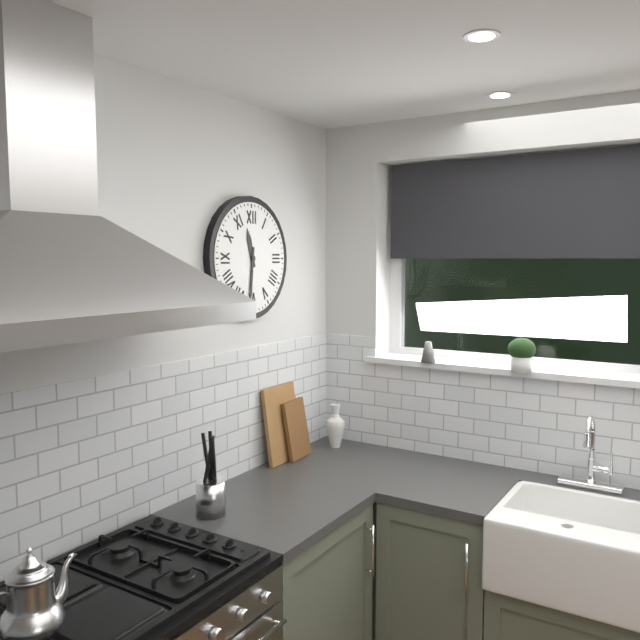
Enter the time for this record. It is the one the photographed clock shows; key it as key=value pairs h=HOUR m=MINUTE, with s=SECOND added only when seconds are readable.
h=11 m=31
